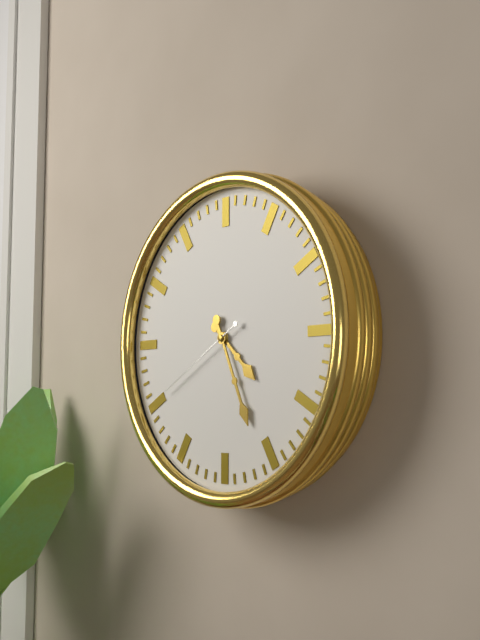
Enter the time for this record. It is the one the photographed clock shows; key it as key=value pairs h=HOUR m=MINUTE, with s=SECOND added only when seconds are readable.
h=4 m=26 s=40
